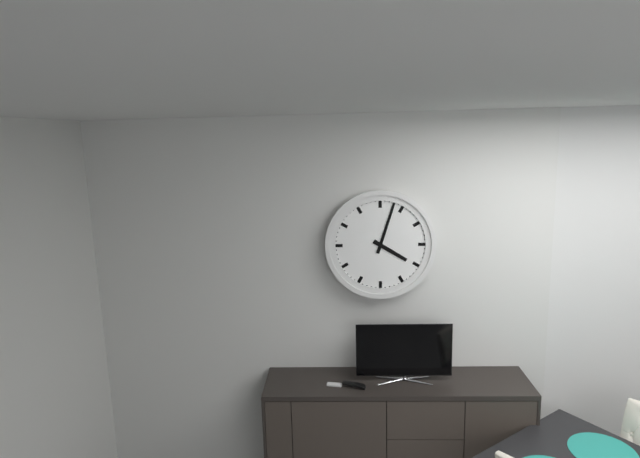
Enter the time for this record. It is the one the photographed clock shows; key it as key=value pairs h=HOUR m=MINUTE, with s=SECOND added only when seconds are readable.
h=4 m=3
